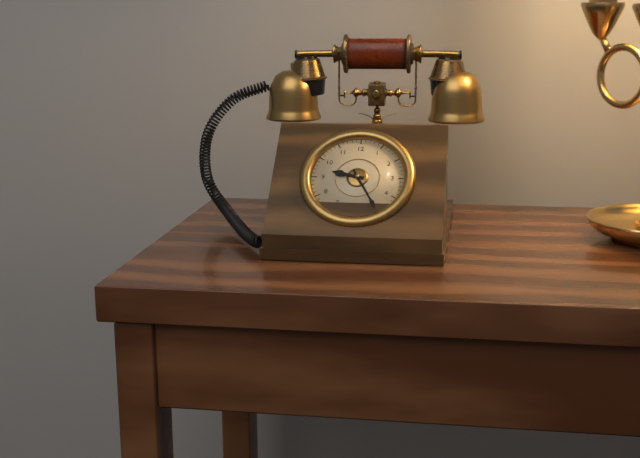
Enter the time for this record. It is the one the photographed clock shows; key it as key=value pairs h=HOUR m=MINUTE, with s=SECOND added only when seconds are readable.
h=9 m=25
